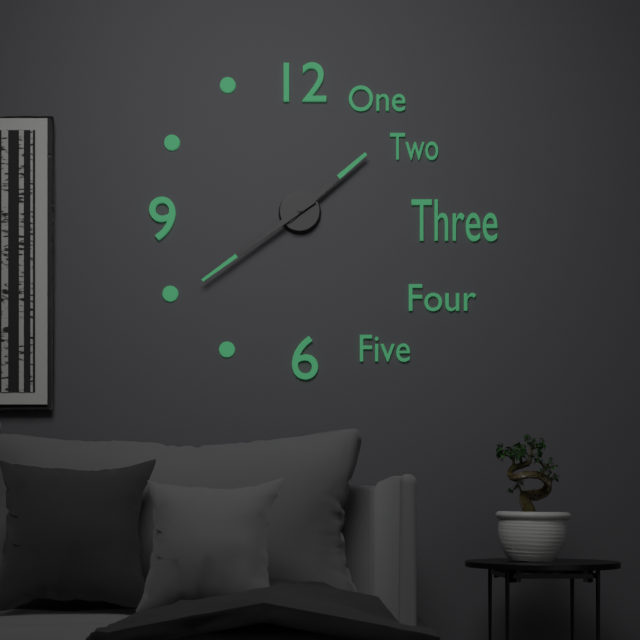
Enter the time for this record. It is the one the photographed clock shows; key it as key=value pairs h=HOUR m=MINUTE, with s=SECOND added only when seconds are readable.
h=1 m=39
